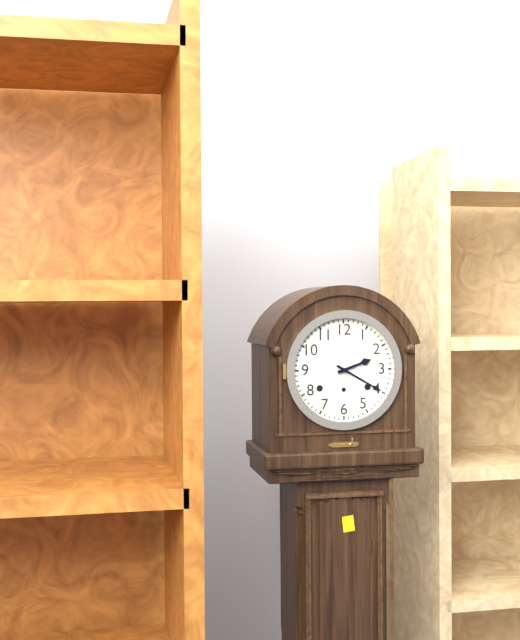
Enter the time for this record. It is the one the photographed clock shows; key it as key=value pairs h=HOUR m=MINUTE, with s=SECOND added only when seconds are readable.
h=2 m=20
